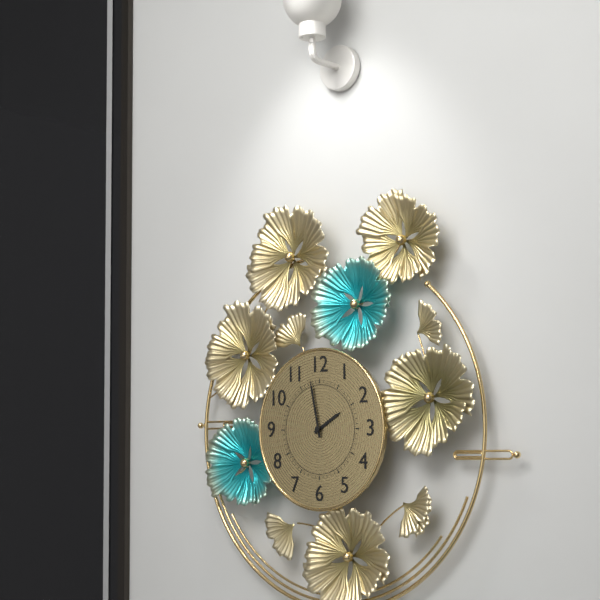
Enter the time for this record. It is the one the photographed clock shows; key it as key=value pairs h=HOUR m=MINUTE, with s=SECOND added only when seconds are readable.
h=1 m=58
